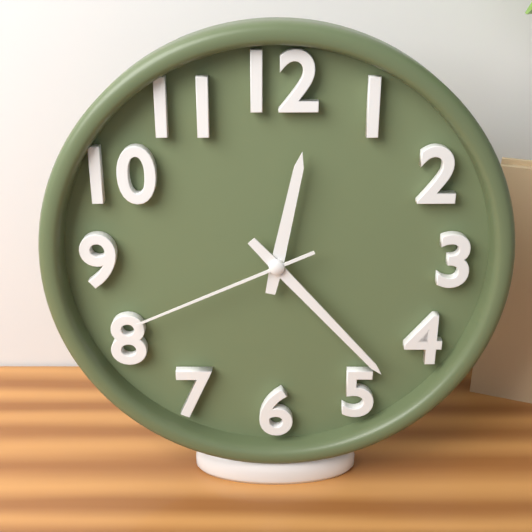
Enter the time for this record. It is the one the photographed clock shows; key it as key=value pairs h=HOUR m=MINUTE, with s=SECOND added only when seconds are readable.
h=12 m=23 s=41
